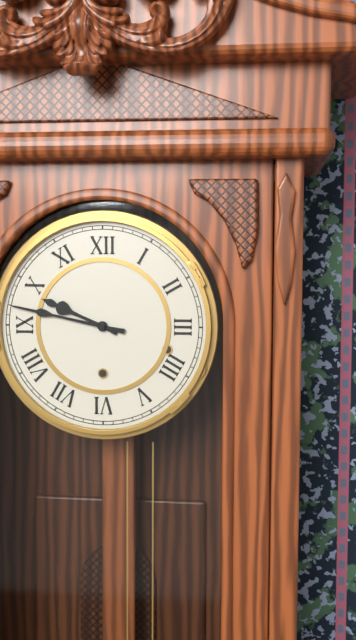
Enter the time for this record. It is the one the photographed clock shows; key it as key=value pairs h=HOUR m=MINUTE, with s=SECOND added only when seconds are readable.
h=9 m=47
